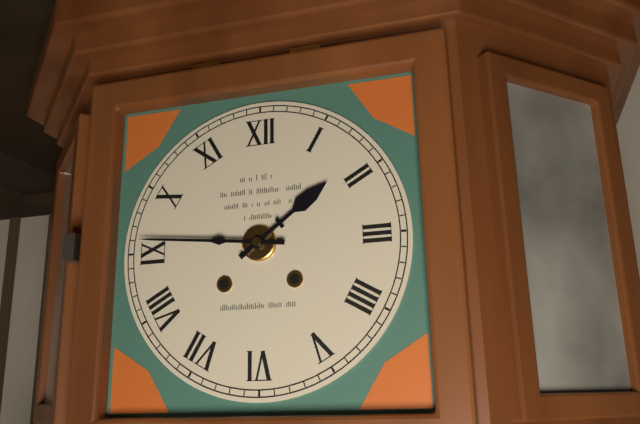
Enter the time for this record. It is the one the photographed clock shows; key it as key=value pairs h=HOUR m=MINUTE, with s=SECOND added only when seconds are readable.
h=1 m=46
